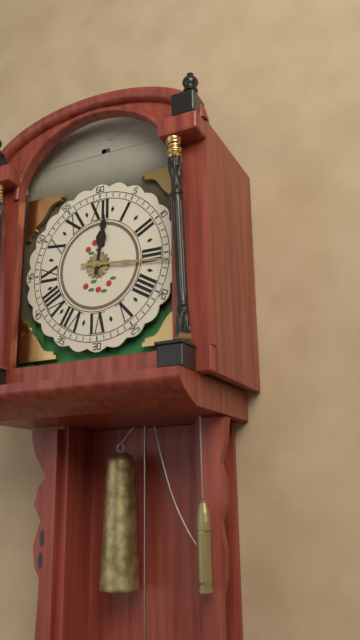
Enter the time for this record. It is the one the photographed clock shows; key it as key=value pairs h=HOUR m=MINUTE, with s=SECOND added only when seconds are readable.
h=12 m=16
